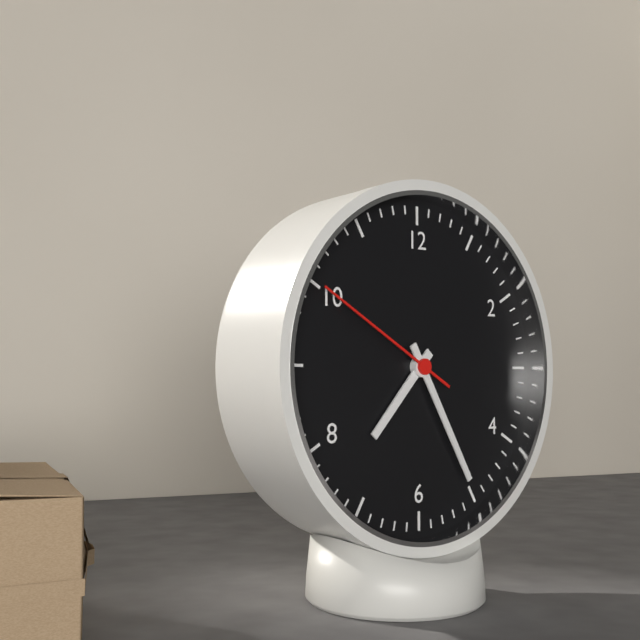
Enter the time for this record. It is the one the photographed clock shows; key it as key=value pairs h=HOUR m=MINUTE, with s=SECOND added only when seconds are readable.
h=7 m=25 s=50
